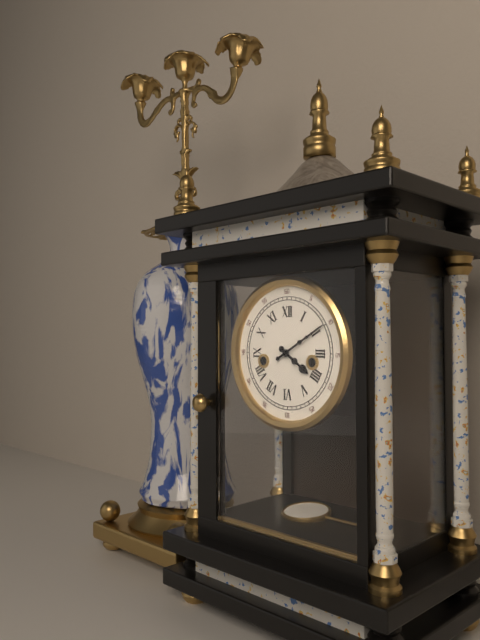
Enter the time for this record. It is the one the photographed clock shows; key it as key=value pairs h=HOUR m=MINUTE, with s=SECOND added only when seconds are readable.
h=4 m=10
